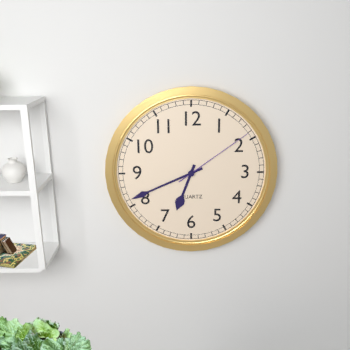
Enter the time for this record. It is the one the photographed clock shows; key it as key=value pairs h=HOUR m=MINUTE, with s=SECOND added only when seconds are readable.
h=6 m=41 s=9
